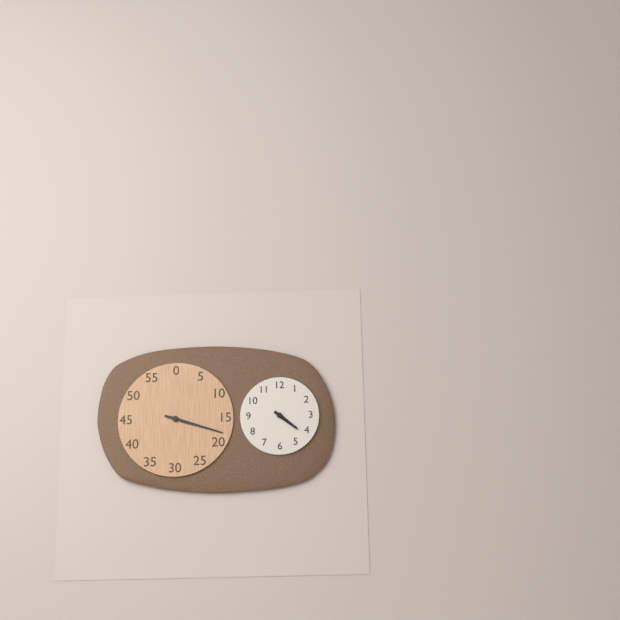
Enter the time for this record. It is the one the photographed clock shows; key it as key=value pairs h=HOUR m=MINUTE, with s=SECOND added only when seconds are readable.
h=4 m=18
